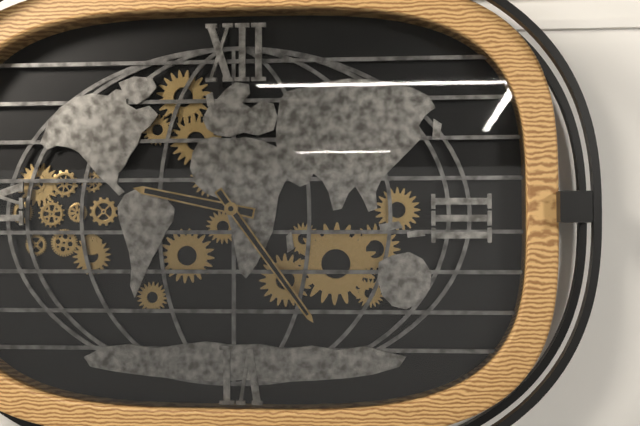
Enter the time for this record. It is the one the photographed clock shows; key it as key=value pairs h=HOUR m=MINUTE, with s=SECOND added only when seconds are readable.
h=9 m=24
